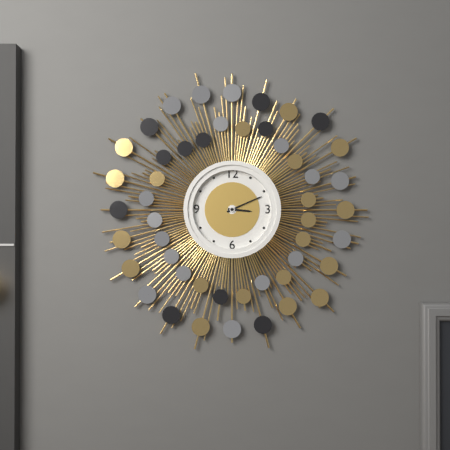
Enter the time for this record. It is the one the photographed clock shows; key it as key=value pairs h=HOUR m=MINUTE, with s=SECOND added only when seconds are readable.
h=3 m=11
